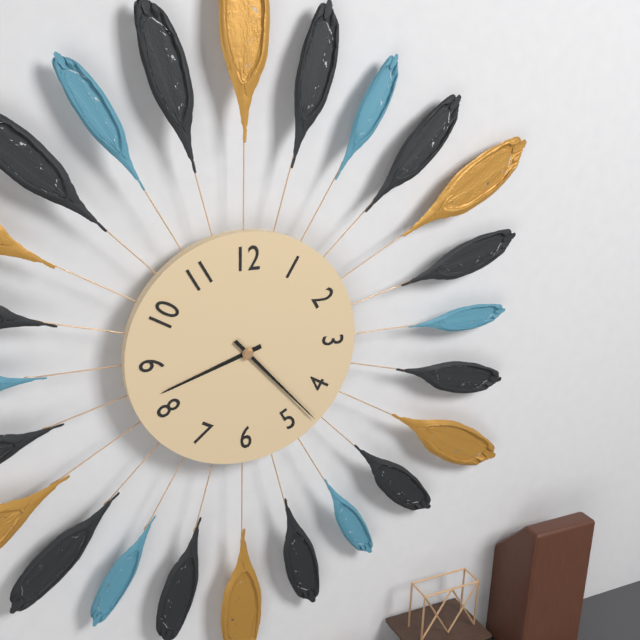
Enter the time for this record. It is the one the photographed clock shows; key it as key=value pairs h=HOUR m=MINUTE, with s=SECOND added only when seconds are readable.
h=8 m=23
